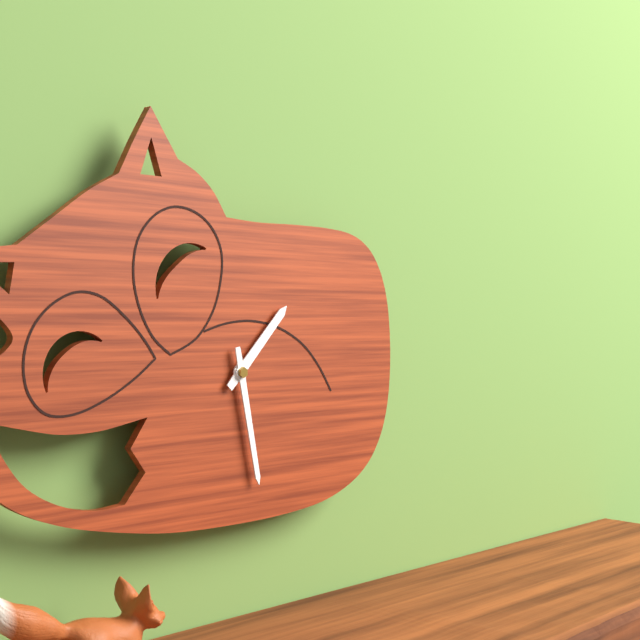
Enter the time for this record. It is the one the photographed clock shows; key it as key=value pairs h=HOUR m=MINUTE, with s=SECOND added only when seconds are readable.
h=1 m=28
